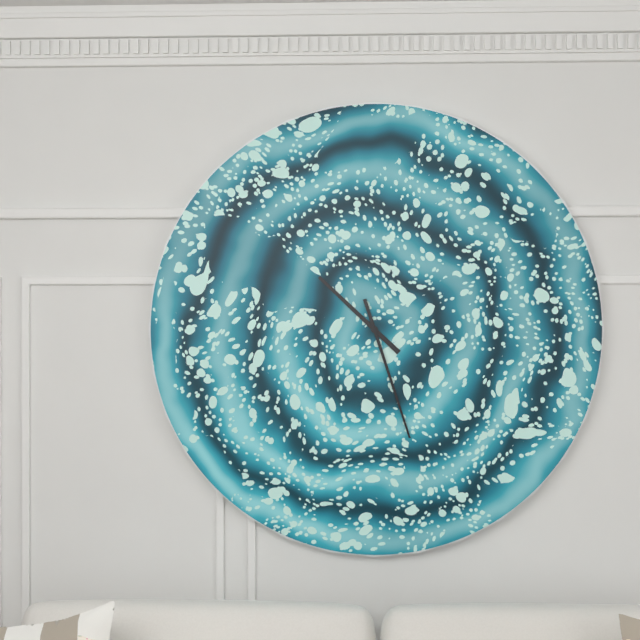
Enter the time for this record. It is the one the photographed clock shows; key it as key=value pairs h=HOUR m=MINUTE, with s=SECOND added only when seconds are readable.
h=10 m=27
